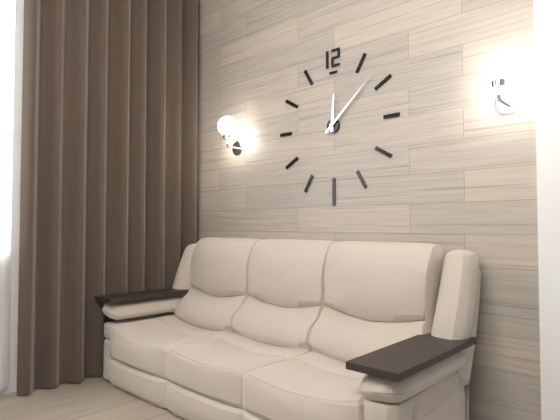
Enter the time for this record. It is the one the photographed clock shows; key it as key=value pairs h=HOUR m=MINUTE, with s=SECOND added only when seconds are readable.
h=12 m=8
